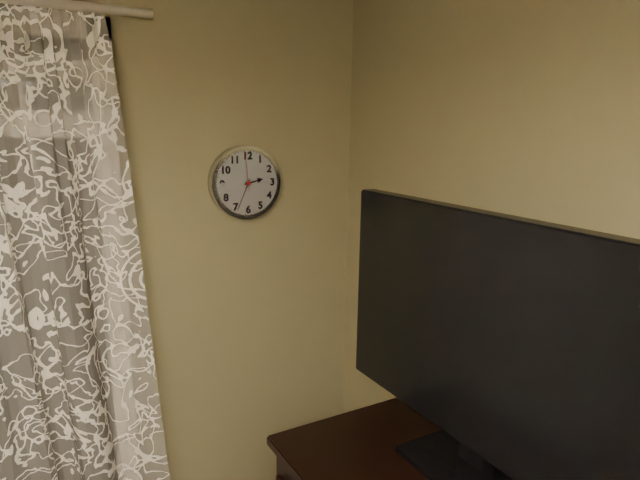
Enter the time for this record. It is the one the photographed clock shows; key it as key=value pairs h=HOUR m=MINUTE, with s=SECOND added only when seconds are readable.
h=2 m=34
